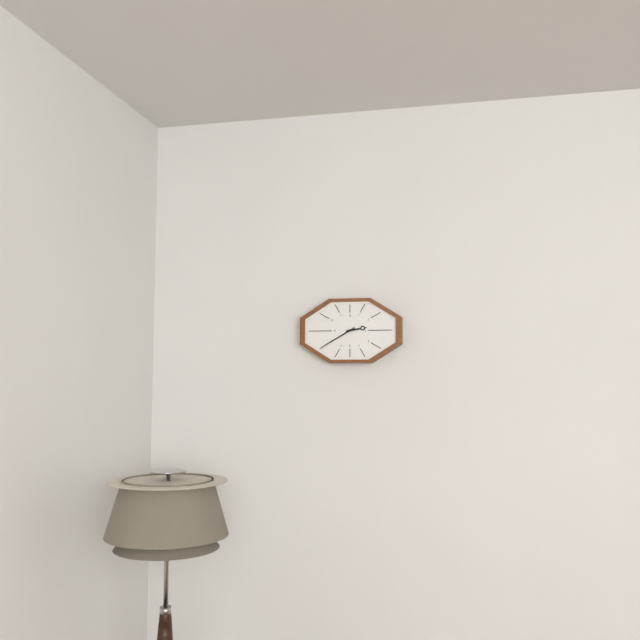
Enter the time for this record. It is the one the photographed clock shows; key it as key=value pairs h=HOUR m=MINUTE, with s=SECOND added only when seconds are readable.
h=2 m=40
